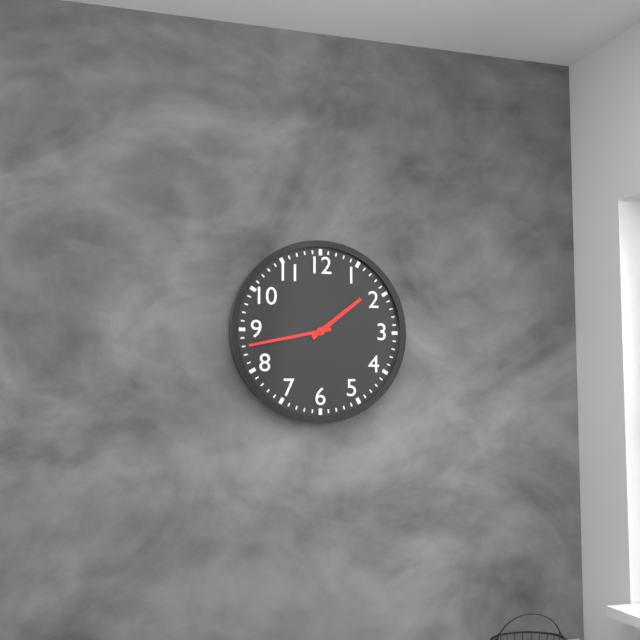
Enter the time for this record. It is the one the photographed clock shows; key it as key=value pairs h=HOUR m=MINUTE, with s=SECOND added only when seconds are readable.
h=1 m=43
